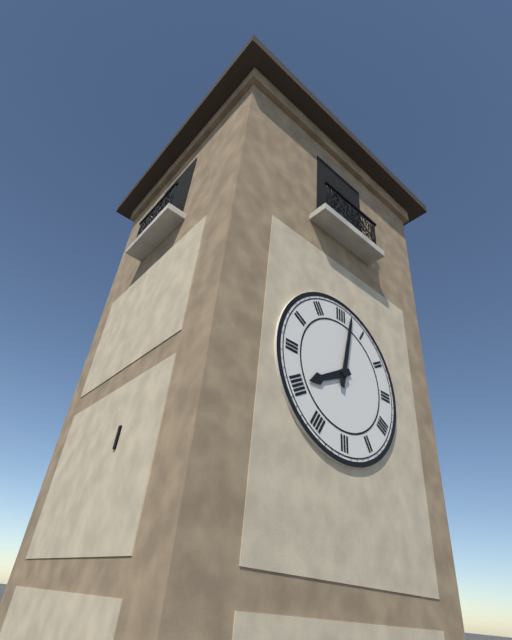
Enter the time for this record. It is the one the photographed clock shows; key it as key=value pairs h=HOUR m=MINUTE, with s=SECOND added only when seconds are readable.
h=8 m=2
